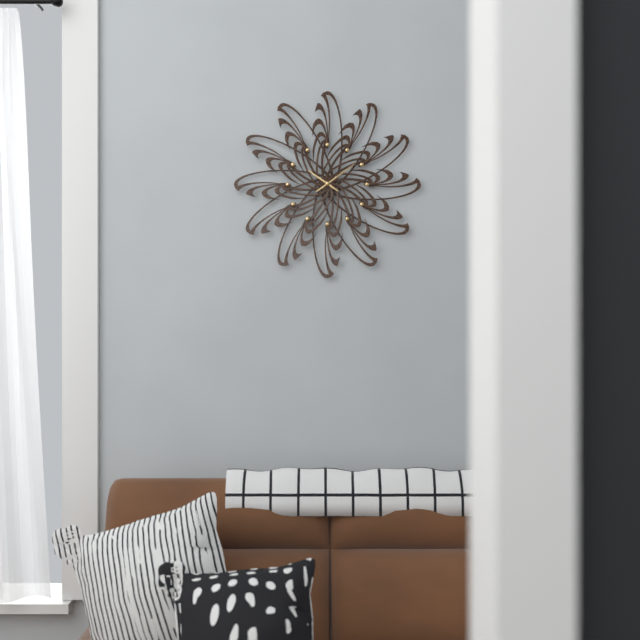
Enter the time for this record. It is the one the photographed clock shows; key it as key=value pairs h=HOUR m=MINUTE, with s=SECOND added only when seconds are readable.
h=10 m=9
